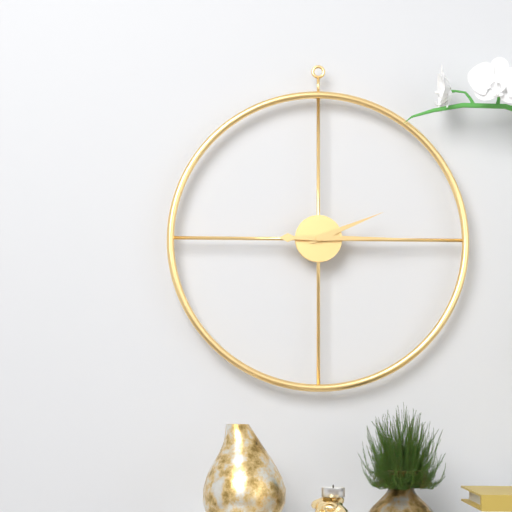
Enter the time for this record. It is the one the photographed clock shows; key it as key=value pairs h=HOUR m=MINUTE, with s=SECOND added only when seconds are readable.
h=2 m=15
